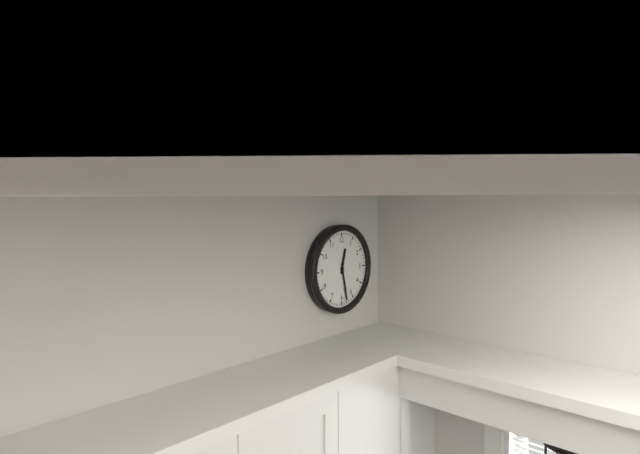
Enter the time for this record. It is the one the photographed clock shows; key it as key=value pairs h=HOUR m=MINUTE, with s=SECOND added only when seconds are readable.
h=12 m=28
